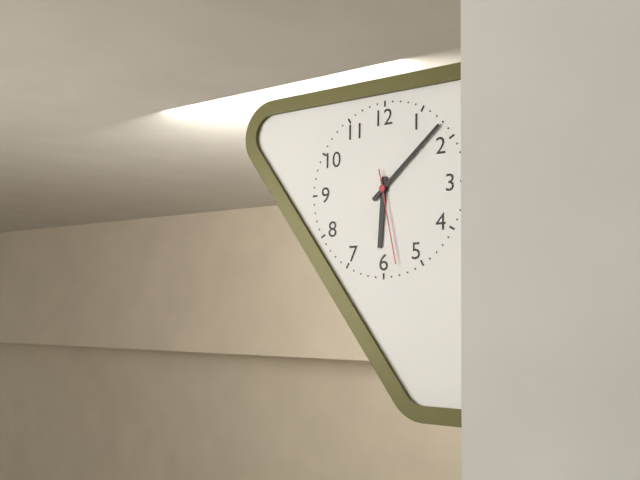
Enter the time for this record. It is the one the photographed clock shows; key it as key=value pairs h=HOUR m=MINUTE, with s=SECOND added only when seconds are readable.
h=6 m=8 s=28
